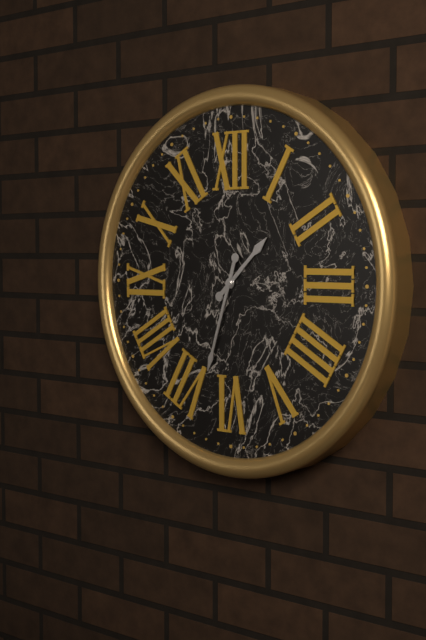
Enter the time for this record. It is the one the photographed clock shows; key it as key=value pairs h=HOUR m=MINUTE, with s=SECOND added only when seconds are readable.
h=1 m=33
